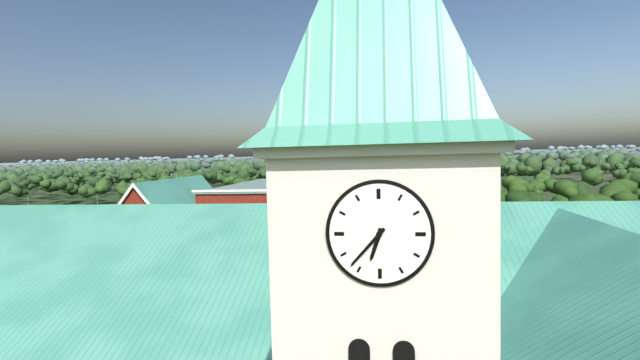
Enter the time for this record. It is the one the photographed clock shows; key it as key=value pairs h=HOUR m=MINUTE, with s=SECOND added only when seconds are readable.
h=6 m=37
